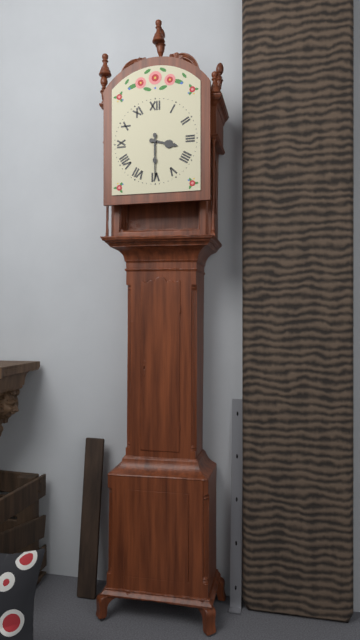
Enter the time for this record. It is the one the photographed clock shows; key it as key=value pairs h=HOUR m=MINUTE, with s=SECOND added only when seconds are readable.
h=3 m=30
